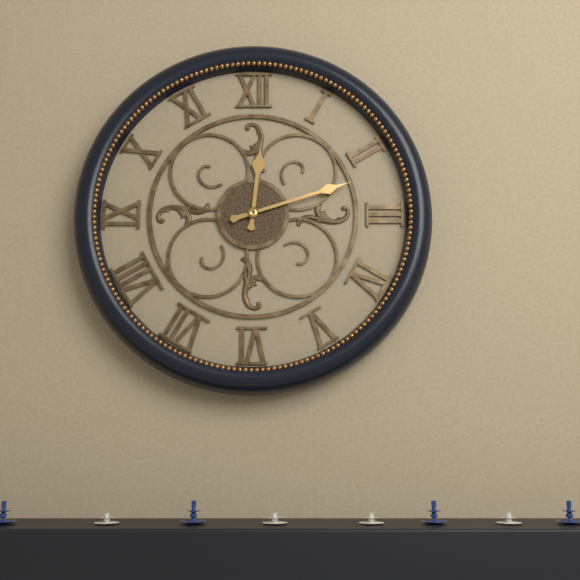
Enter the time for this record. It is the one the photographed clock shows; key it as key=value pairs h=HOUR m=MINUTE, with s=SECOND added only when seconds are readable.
h=12 m=12
